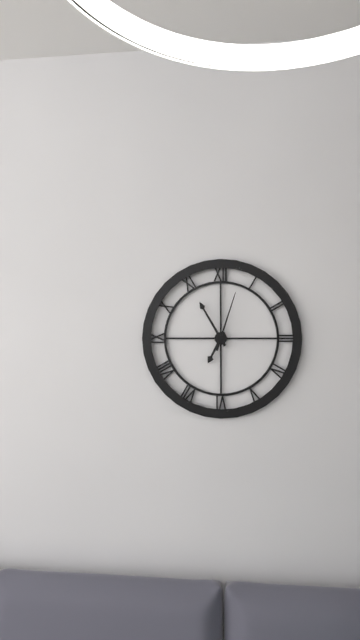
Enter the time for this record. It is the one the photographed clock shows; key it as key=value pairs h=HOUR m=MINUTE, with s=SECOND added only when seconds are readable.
h=6 m=55 s=3
